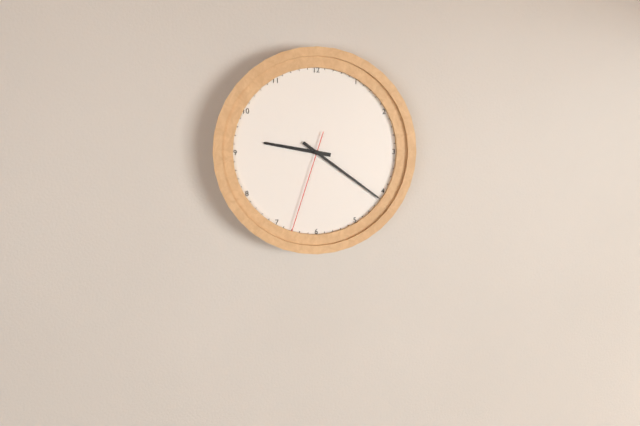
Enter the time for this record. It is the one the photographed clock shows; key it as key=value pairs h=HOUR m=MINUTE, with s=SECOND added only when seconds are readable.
h=9 m=21 s=33
